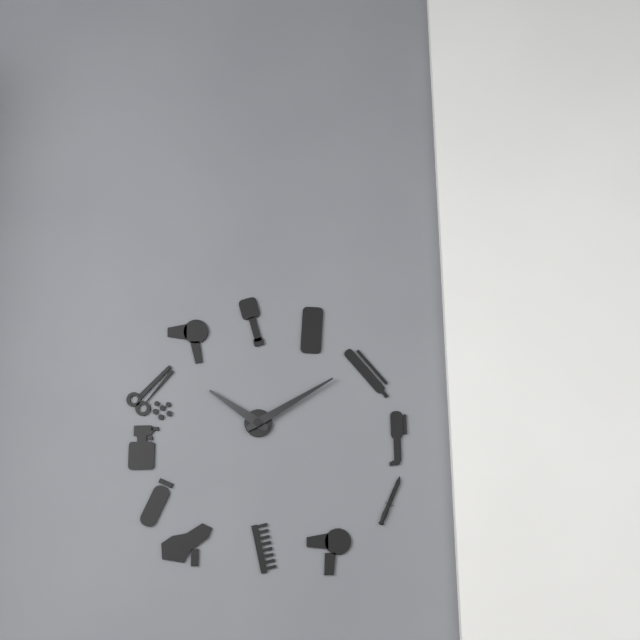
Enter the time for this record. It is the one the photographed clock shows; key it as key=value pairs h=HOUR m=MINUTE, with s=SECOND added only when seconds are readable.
h=10 m=10
